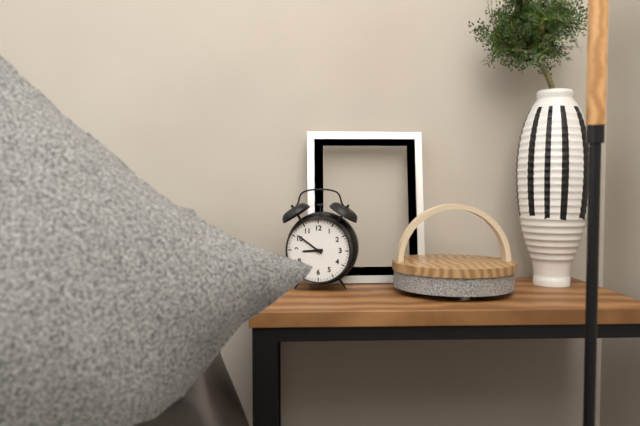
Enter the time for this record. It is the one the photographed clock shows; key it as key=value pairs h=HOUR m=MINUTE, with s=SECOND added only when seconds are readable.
h=8 m=51
